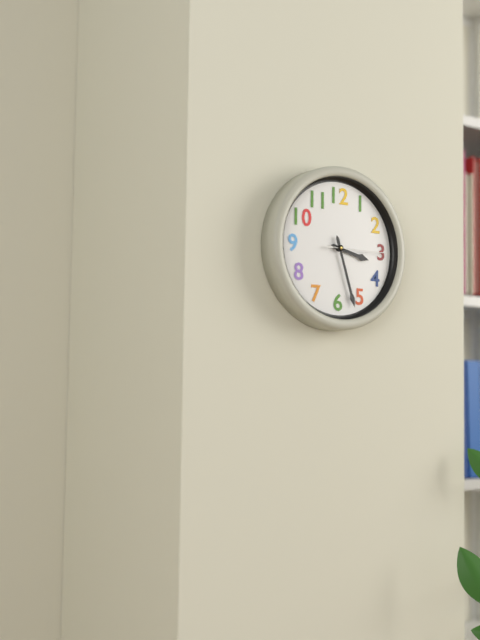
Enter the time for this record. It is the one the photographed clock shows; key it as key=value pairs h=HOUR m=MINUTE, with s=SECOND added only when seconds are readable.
h=3 m=27 s=15
